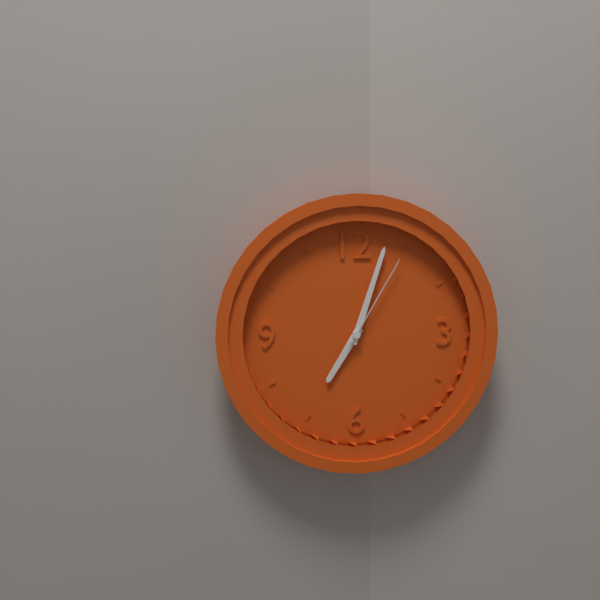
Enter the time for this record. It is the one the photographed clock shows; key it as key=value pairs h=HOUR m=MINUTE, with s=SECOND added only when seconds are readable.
h=7 m=3 s=5
